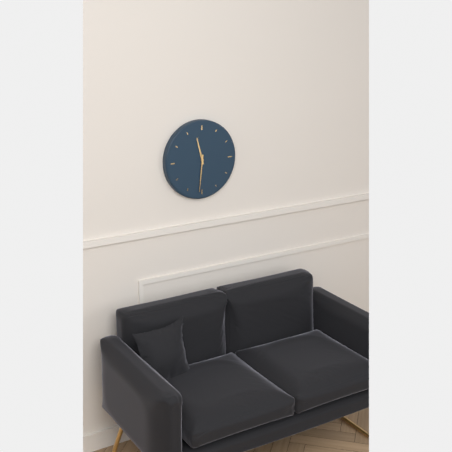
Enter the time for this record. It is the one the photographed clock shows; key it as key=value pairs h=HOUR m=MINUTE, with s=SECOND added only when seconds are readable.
h=11 m=31
